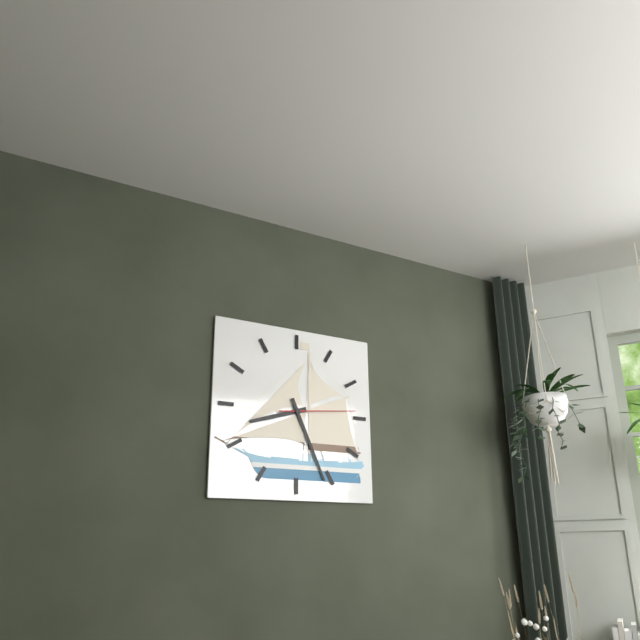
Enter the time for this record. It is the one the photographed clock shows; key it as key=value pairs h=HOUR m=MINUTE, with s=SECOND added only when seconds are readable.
h=8 m=26 s=14
